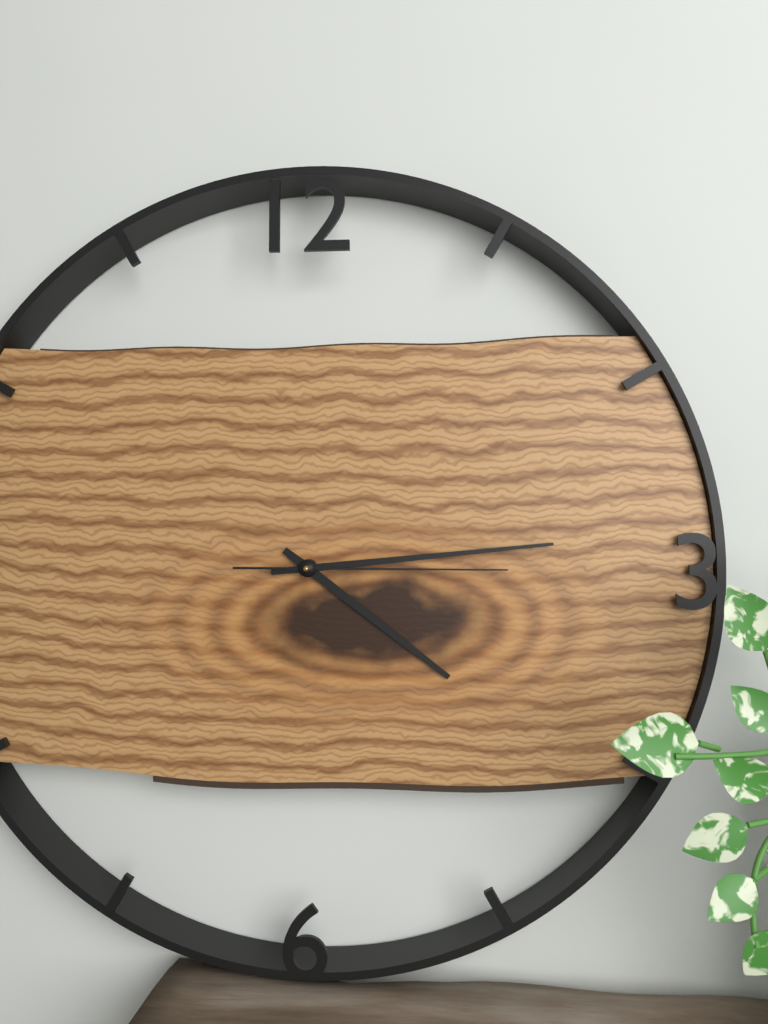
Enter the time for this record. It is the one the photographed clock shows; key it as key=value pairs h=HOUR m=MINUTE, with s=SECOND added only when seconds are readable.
h=4 m=14 s=15
